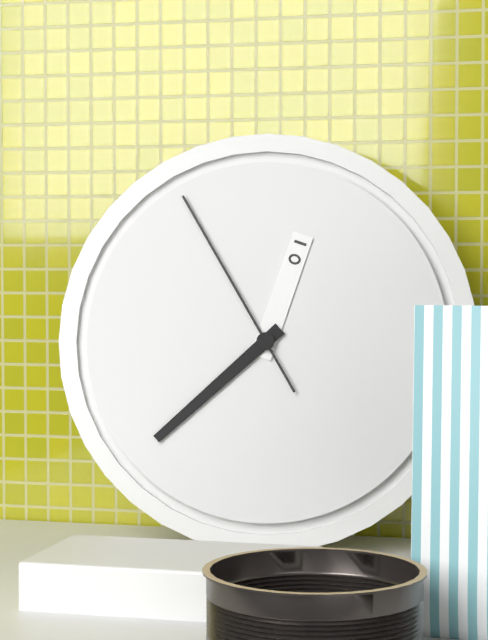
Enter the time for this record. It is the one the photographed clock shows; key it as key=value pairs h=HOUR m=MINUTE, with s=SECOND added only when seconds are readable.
h=12 m=38 s=55
